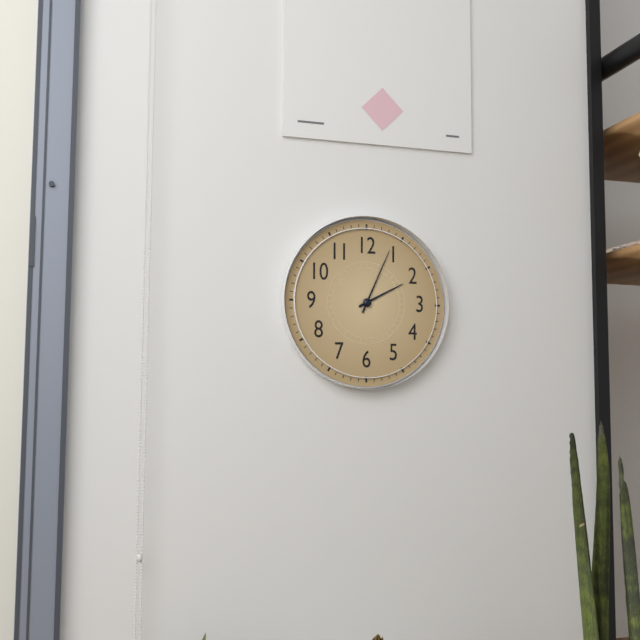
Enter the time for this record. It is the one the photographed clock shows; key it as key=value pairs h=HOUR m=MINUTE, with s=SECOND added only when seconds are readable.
h=2 m=4
